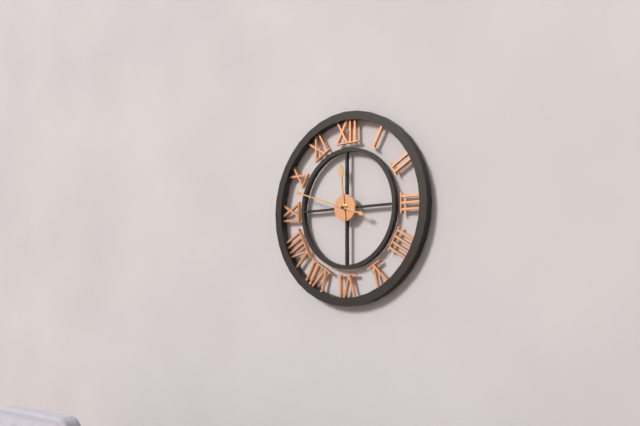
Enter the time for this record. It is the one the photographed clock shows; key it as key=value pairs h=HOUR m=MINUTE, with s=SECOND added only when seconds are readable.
h=11 m=48
